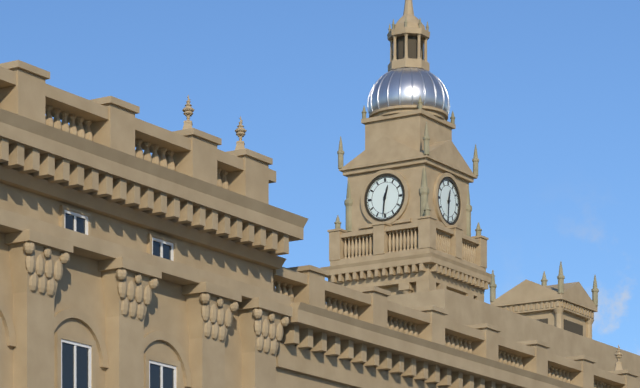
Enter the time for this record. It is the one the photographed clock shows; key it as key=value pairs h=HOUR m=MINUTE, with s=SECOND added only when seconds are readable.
h=12 m=31
